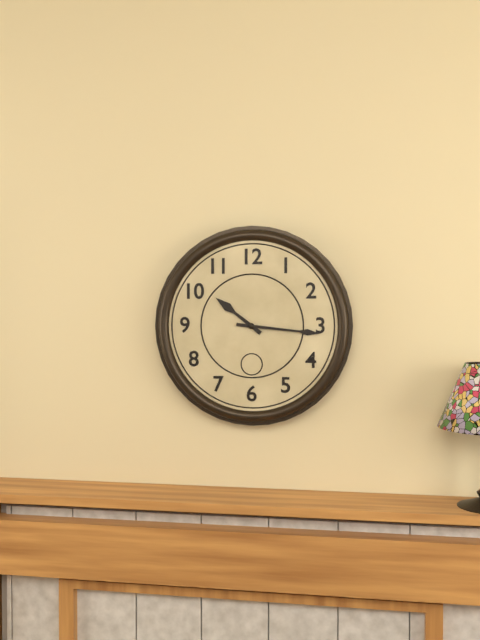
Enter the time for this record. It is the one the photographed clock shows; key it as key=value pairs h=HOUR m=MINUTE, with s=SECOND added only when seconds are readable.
h=10 m=16
